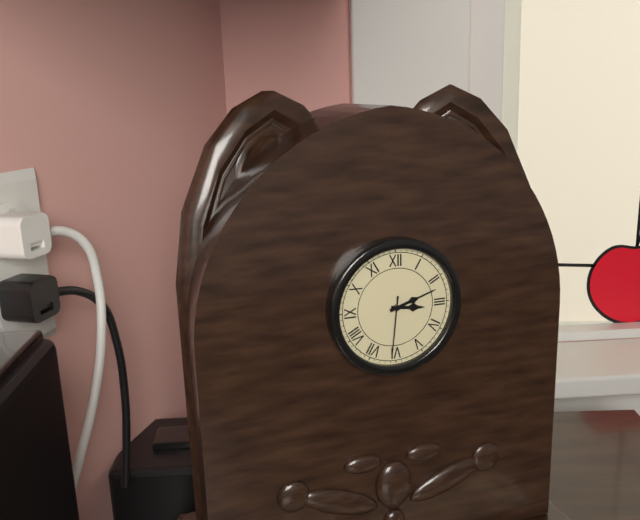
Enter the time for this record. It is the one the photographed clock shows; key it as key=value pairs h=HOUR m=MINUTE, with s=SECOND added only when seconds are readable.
h=3 m=12 s=31
